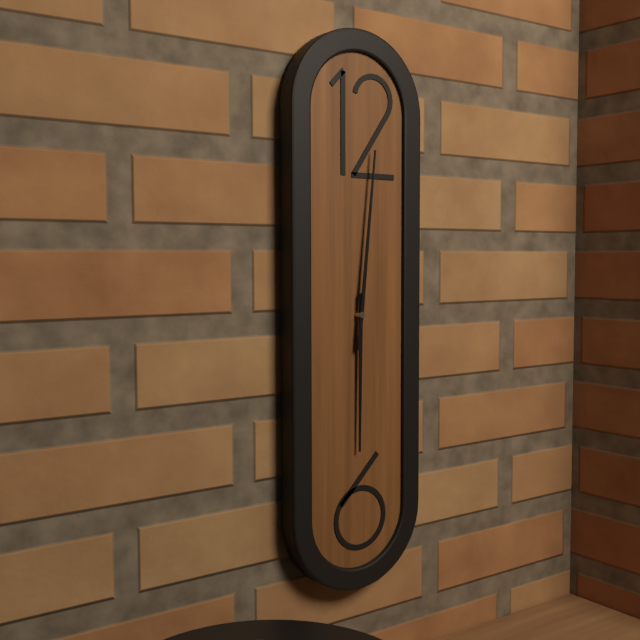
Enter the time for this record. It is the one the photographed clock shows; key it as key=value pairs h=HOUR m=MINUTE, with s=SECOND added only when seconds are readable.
h=6 m=1
